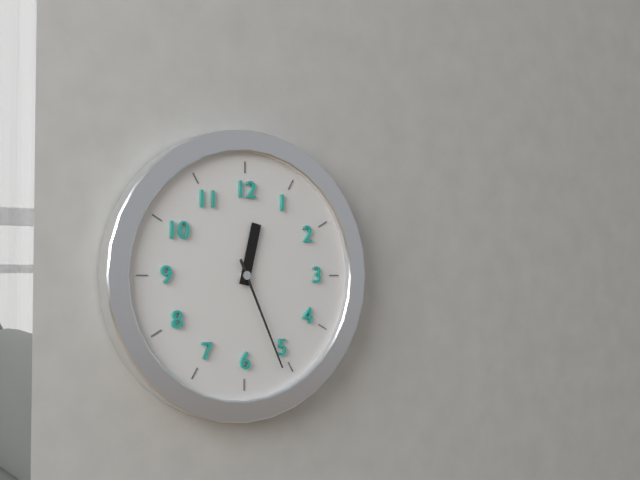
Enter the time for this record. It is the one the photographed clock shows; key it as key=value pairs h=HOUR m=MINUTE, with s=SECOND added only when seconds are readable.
h=12 m=26
